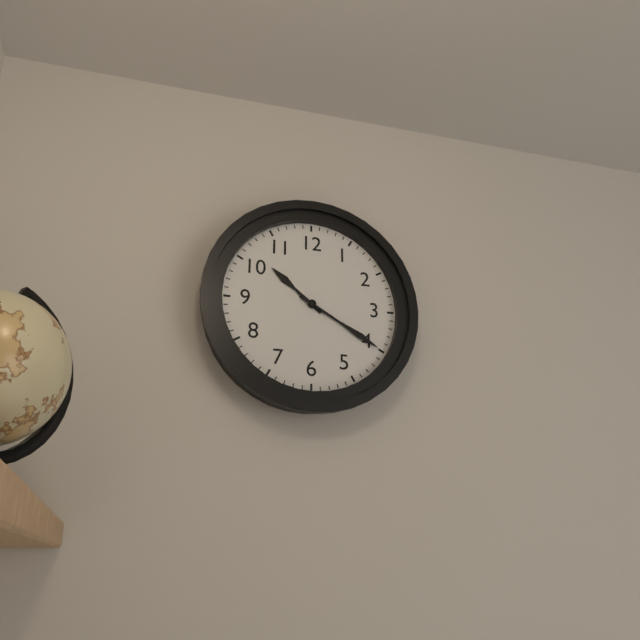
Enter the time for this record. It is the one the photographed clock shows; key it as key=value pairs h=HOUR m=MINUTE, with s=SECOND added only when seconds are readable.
h=10 m=20
